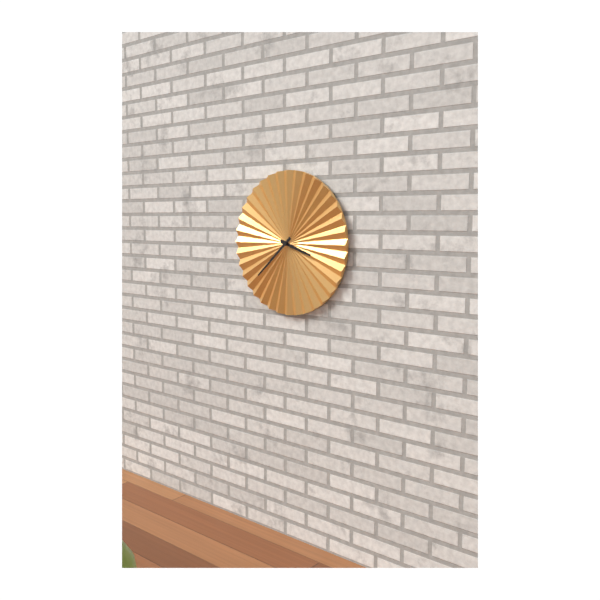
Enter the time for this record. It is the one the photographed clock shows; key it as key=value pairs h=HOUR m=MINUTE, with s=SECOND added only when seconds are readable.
h=3 m=38
